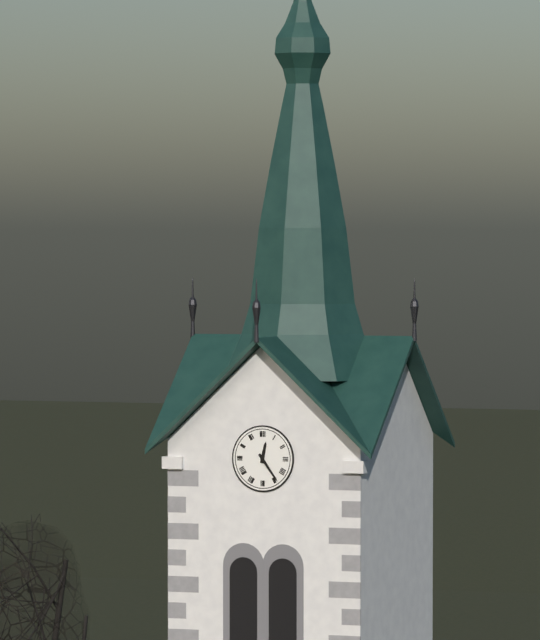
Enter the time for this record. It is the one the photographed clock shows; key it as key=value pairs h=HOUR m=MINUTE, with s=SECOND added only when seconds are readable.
h=12 m=24
